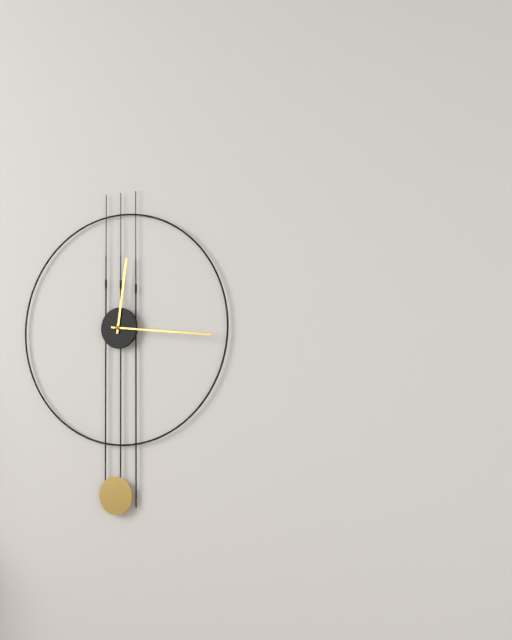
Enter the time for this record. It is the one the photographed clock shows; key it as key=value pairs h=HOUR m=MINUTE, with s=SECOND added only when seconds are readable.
h=12 m=16
